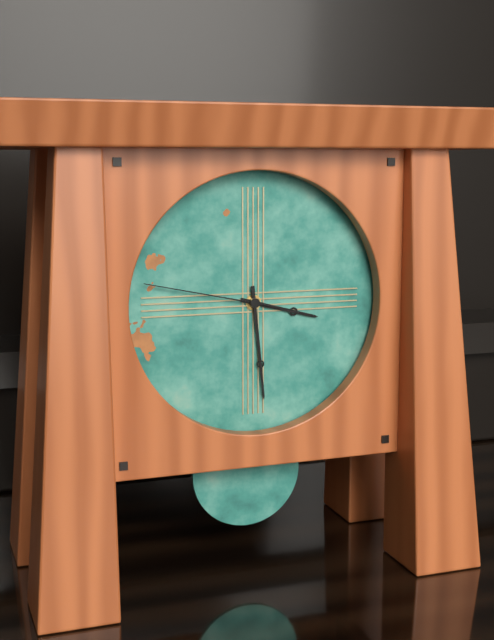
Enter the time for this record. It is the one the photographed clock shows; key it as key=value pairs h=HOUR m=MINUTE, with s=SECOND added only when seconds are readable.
h=3 m=29 s=47
